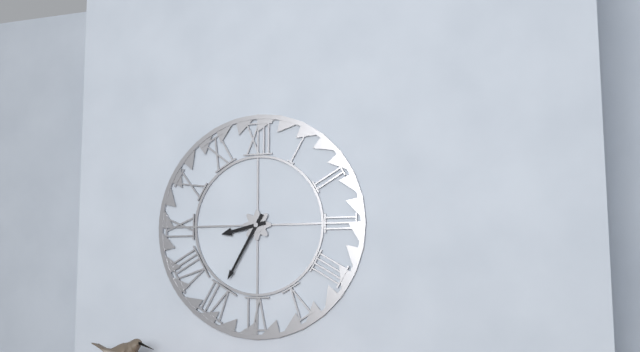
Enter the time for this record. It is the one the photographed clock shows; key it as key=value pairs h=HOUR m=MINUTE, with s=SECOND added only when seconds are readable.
h=8 m=35
